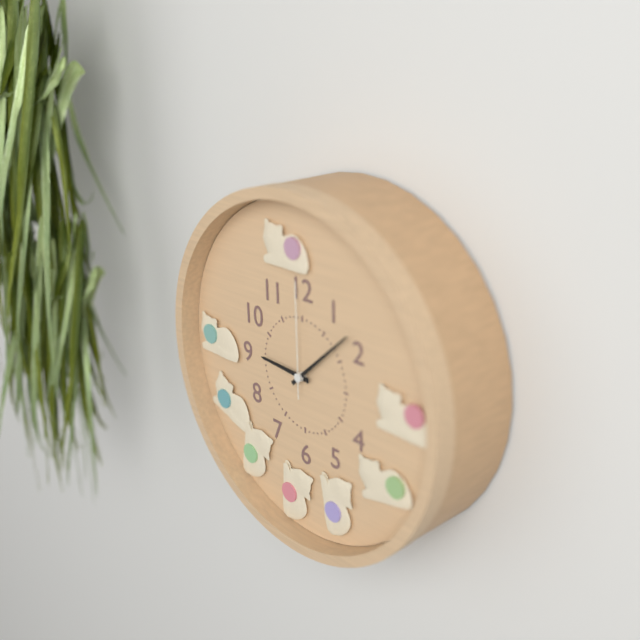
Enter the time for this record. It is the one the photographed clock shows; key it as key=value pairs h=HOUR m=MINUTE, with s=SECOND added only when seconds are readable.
h=9 m=8 s=0
